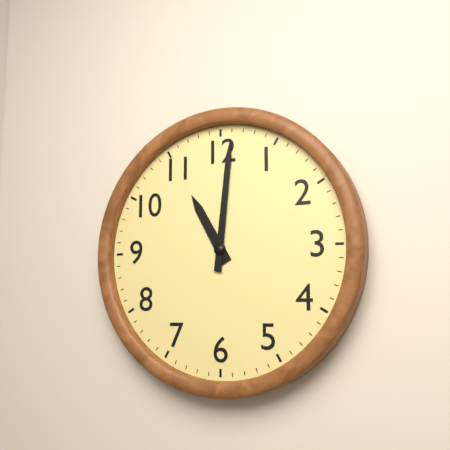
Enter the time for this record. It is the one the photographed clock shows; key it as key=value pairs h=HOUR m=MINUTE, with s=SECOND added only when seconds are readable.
h=11 m=1
